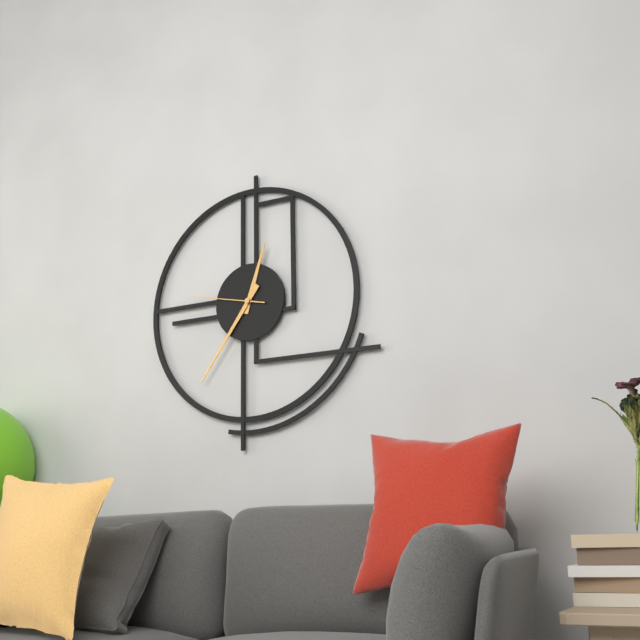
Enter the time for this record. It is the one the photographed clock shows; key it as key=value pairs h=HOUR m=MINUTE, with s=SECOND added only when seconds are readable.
h=12 m=36 s=47
